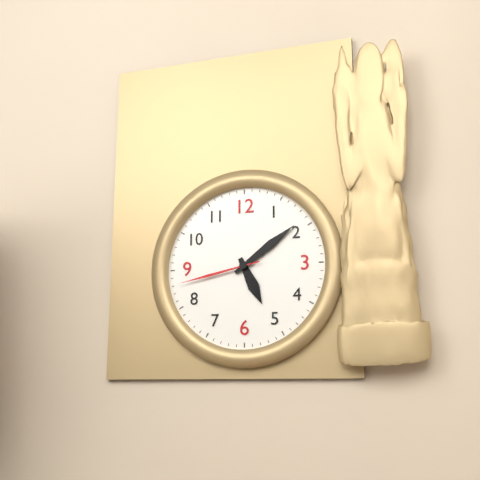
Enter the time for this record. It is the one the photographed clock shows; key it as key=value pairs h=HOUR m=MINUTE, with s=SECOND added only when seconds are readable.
h=5 m=9 s=43
